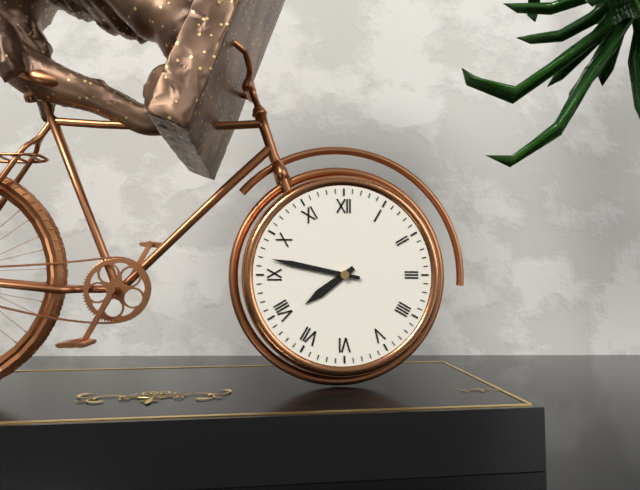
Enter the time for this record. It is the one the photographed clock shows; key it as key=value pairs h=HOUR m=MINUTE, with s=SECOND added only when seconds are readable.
h=7 m=47
